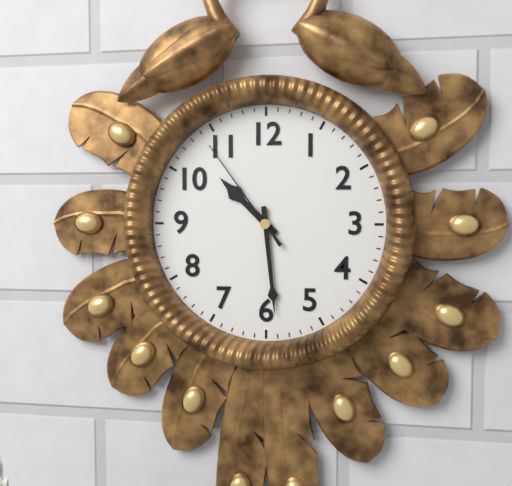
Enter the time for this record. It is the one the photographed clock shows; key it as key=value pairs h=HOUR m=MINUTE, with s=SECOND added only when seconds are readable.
h=10 m=29 s=54
